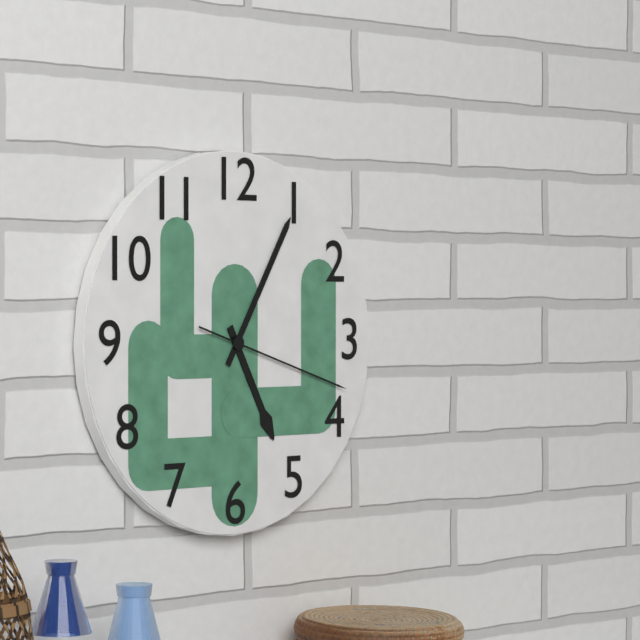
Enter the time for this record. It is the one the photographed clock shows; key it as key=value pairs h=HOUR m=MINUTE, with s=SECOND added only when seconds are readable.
h=5 m=5 s=18
